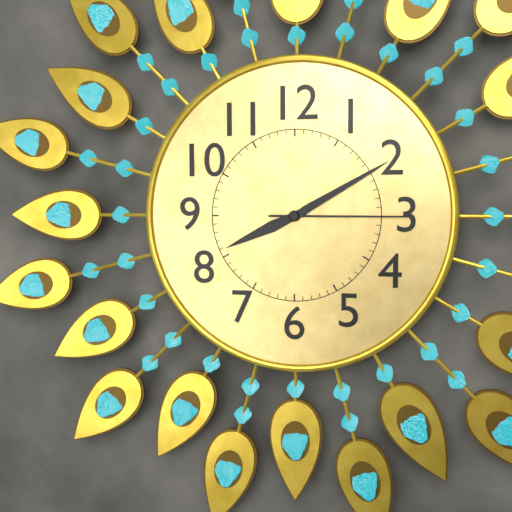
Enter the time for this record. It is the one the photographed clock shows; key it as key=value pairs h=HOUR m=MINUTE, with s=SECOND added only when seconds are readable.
h=8 m=10 s=15
